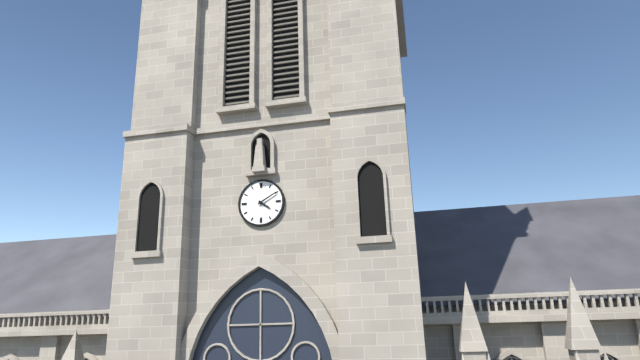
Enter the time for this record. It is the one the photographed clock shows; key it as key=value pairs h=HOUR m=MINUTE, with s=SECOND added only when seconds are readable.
h=4 m=10
